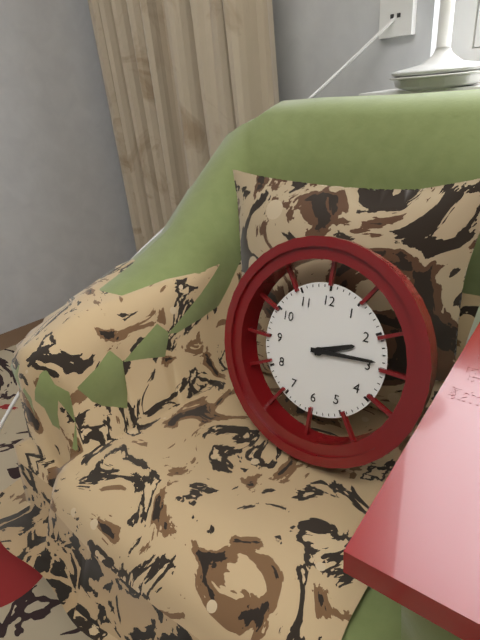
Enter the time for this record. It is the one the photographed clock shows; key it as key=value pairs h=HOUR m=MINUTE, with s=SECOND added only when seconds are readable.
h=2 m=14
